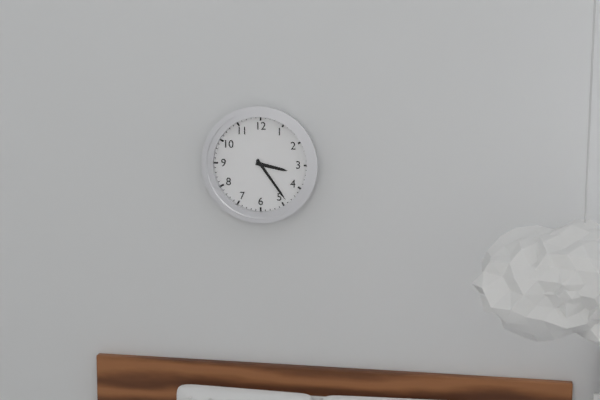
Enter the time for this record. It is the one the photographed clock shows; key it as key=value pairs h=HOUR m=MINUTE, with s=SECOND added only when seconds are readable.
h=3 m=24
